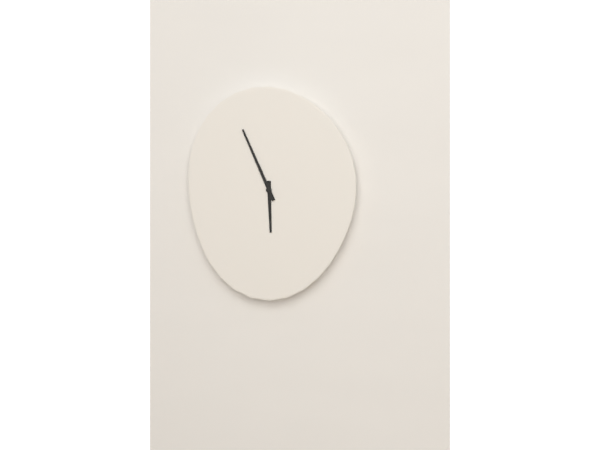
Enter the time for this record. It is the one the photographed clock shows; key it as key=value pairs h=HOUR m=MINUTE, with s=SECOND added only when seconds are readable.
h=5 m=56
